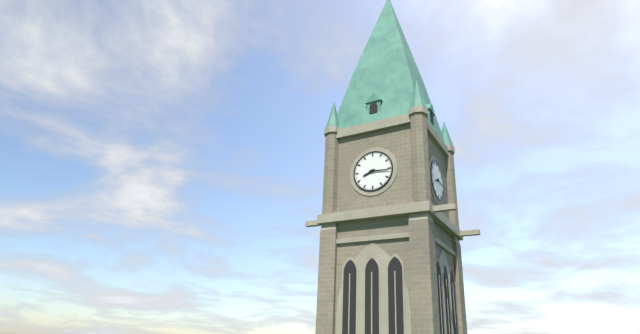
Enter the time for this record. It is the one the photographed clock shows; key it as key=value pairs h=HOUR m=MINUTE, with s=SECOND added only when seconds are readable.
h=8 m=16
